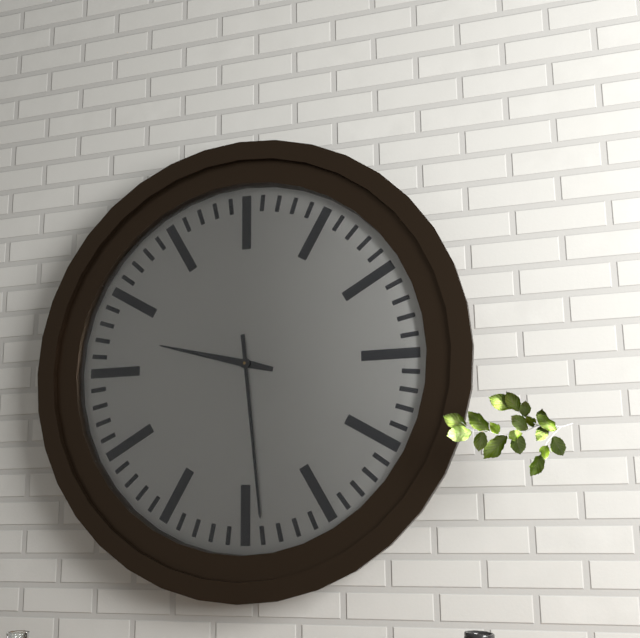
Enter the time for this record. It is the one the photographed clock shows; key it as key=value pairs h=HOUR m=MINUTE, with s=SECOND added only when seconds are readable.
h=9 m=29
